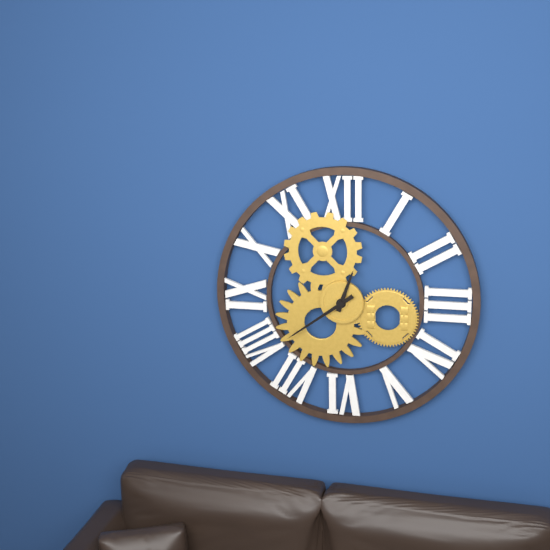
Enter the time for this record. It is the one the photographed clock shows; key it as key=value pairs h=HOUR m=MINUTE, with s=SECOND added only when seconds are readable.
h=12 m=39
